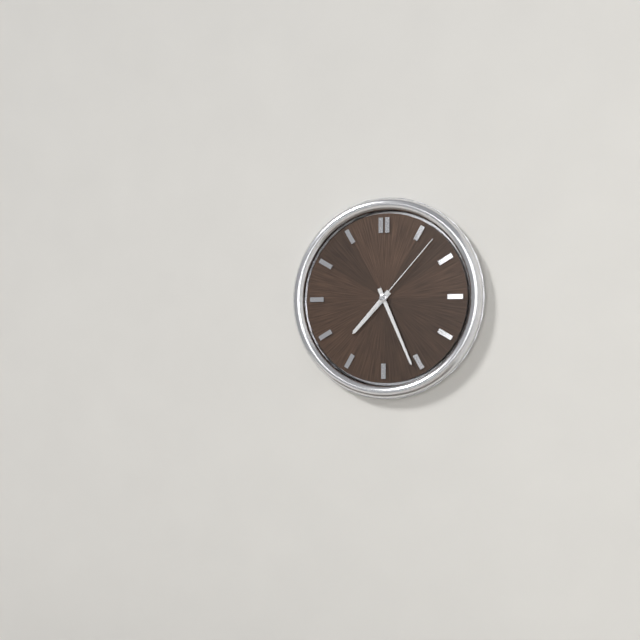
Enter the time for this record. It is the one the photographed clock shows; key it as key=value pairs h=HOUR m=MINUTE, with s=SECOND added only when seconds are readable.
h=7 m=26 s=7
